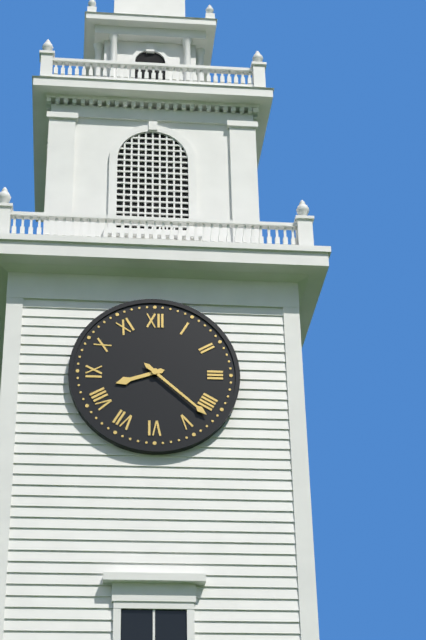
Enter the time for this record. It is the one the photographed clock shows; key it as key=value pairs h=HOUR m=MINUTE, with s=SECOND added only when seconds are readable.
h=8 m=22
